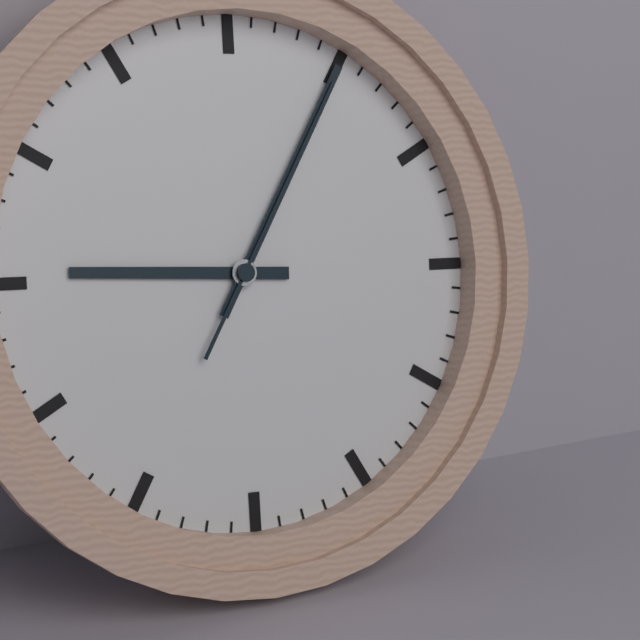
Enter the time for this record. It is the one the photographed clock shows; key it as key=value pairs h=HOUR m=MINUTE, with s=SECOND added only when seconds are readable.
h=9 m=5 s=5
